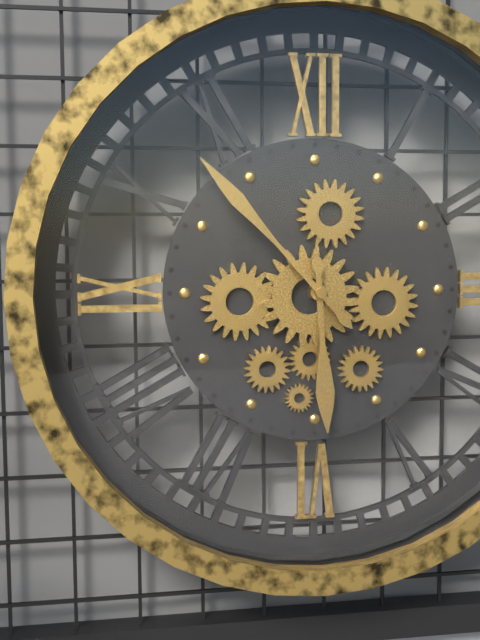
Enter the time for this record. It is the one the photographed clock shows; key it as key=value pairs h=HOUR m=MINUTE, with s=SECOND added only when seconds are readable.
h=5 m=53
